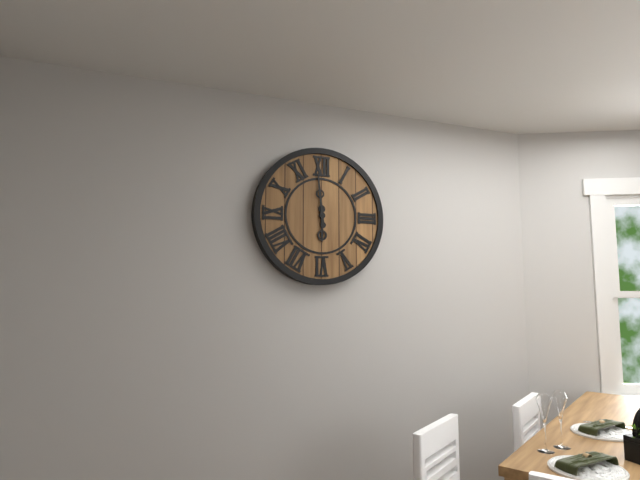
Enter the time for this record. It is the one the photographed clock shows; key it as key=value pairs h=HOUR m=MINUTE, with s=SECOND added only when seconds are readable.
h=5 m=59
